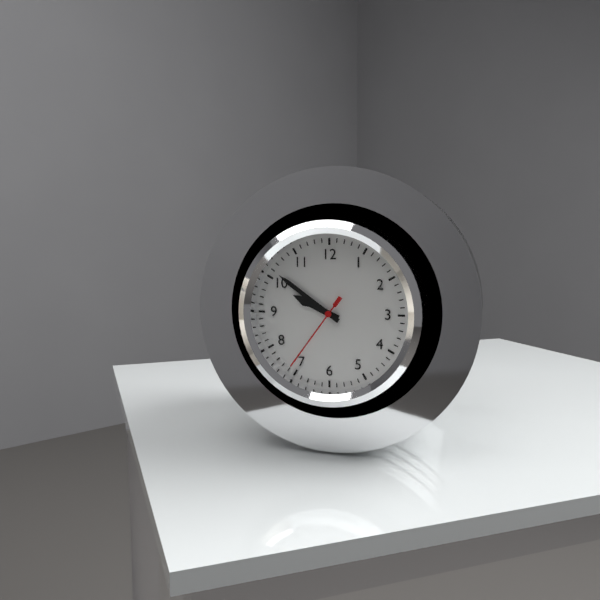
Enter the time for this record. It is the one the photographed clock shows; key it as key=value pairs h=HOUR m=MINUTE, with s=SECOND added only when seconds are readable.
h=9 m=51 s=36
